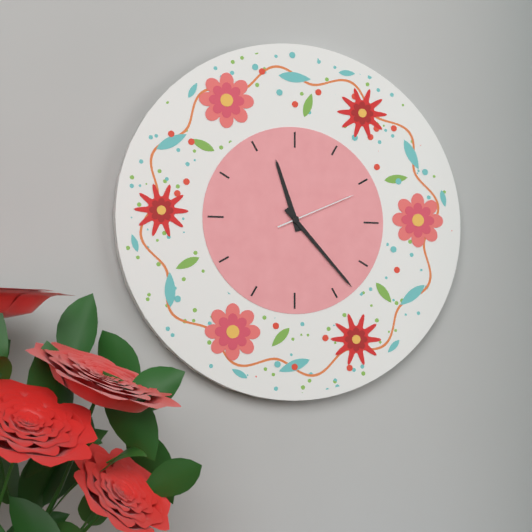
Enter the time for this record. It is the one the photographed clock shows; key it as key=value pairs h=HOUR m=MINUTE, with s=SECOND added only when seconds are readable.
h=11 m=23 s=11
